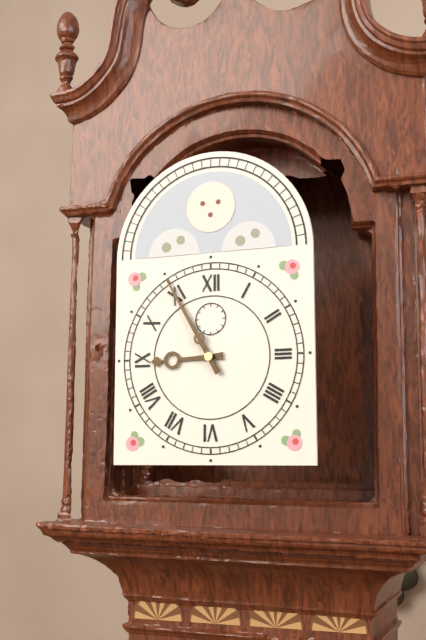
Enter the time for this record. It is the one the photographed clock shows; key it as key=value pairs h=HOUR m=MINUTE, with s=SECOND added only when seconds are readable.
h=8 m=55
